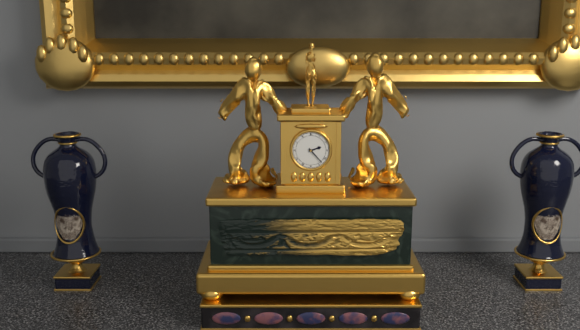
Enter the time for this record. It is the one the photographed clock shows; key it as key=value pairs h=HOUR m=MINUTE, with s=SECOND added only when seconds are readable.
h=2 m=23
